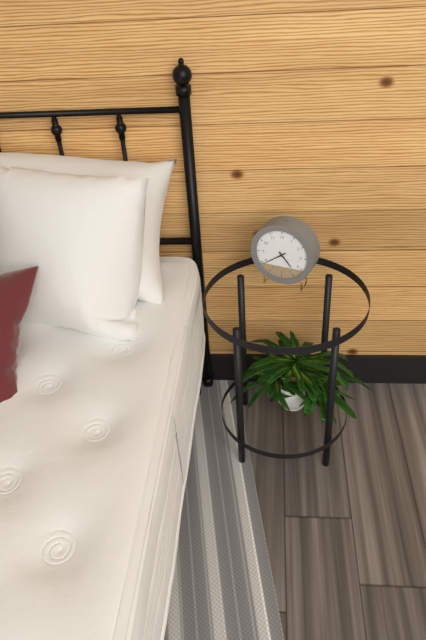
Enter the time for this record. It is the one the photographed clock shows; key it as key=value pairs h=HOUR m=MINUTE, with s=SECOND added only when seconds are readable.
h=4 m=39
